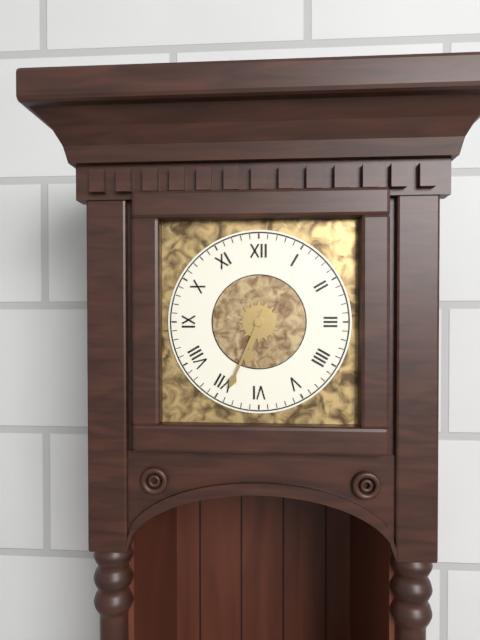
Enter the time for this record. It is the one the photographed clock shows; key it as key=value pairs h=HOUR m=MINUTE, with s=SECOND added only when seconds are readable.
h=6 m=34
